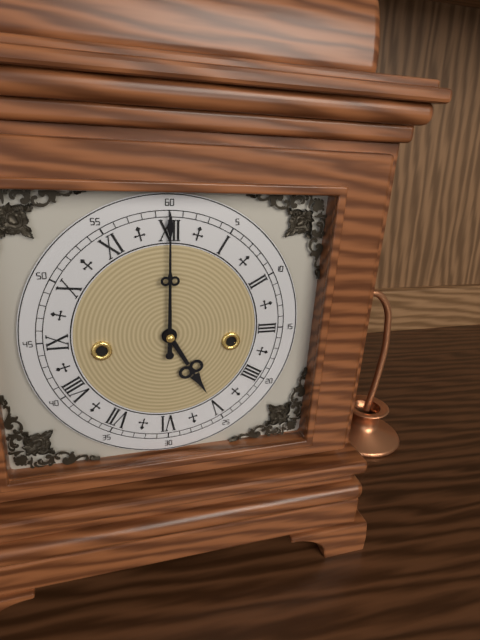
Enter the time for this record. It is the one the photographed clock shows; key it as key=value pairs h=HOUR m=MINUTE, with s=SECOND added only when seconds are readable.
h=5 m=0
